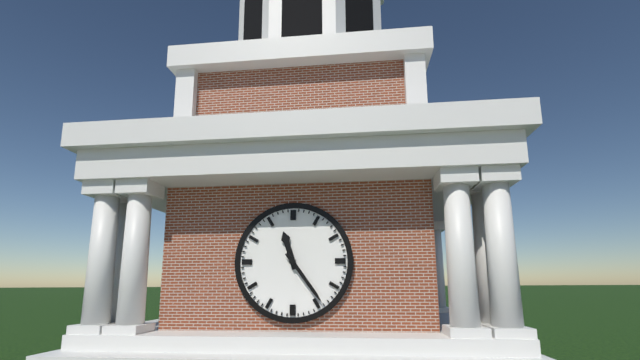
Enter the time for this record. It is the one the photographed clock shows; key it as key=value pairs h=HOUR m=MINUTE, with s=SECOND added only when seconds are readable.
h=11 m=24
